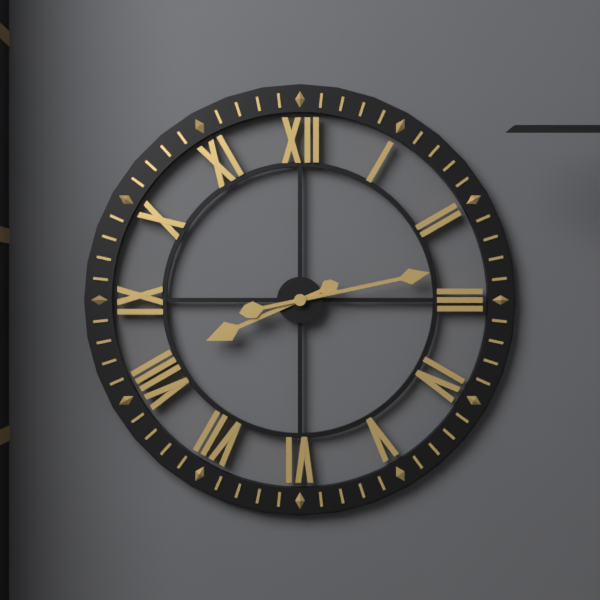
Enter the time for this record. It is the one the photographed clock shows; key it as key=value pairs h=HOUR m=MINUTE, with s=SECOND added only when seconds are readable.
h=8 m=13
